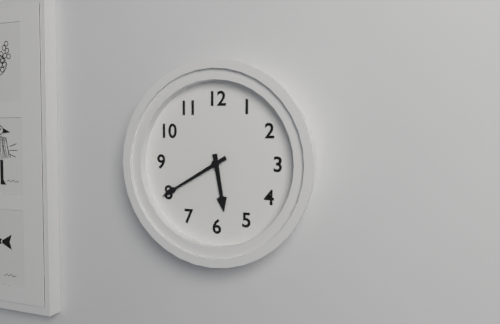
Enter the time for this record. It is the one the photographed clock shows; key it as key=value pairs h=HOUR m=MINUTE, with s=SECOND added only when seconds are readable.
h=5 m=40
